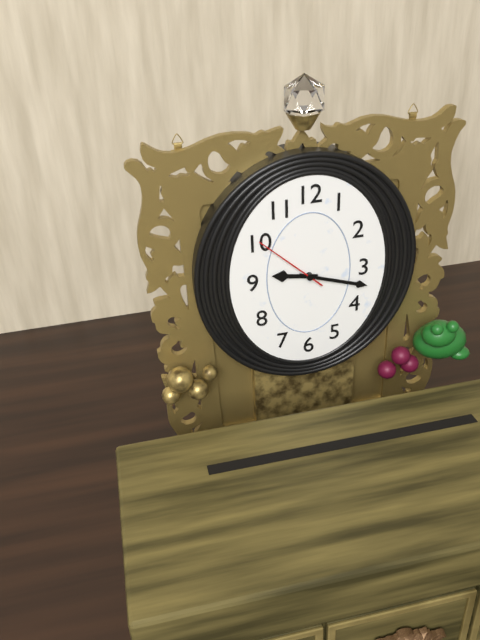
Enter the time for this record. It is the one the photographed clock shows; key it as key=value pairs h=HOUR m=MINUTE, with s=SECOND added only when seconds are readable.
h=9 m=18 s=52
